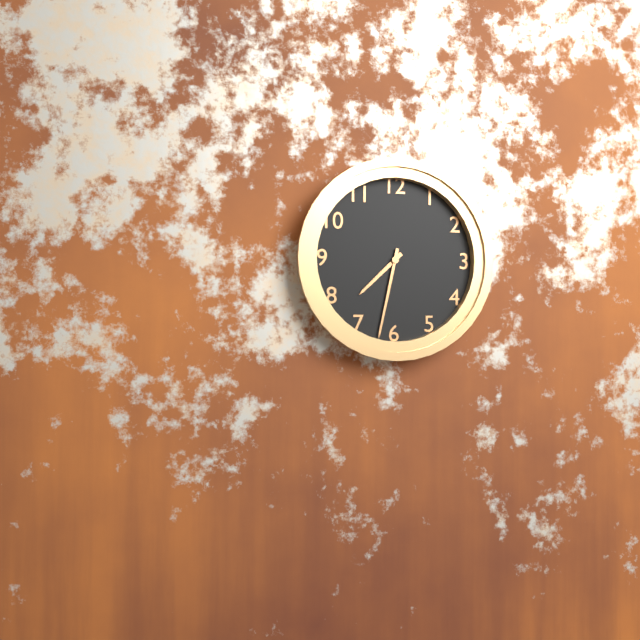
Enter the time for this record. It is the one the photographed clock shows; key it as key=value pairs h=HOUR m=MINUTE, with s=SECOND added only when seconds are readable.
h=7 m=32
